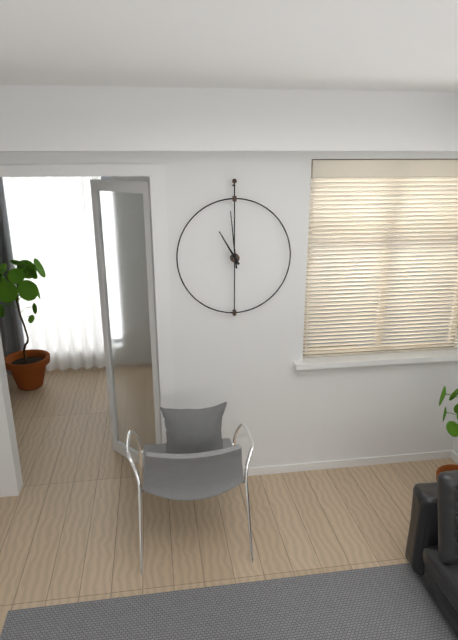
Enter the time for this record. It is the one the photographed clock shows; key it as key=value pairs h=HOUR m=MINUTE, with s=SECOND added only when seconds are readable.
h=10 m=59
